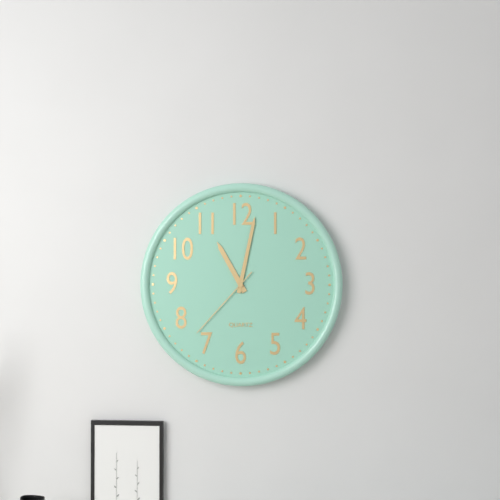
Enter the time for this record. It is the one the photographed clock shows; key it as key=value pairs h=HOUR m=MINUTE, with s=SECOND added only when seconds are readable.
h=11 m=2 s=37
